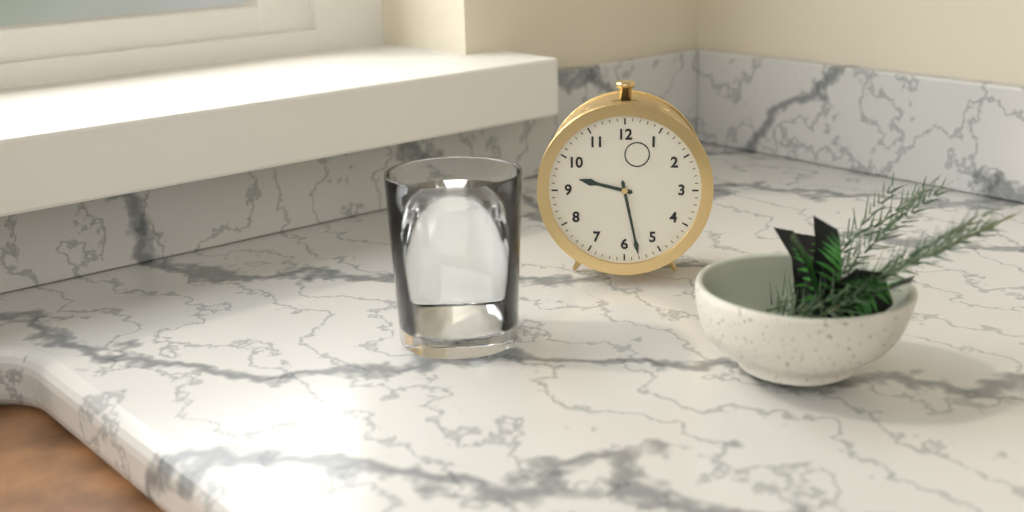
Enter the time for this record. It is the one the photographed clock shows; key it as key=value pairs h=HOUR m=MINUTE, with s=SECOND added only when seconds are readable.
h=9 m=28
